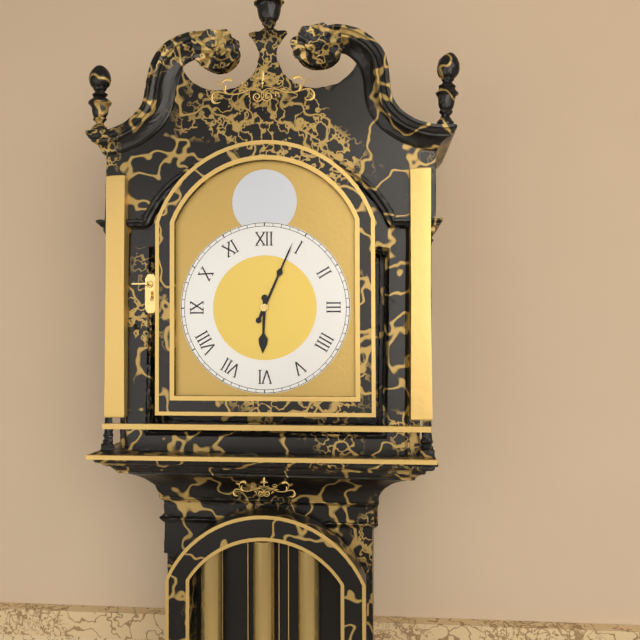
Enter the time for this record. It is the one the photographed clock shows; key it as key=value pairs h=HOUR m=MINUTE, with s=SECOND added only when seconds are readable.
h=6 m=4
